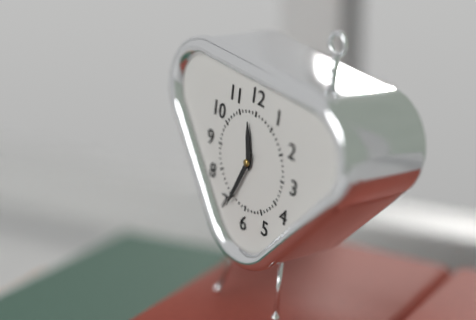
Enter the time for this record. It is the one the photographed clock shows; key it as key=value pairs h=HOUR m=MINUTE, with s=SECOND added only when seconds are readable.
h=11 m=34
